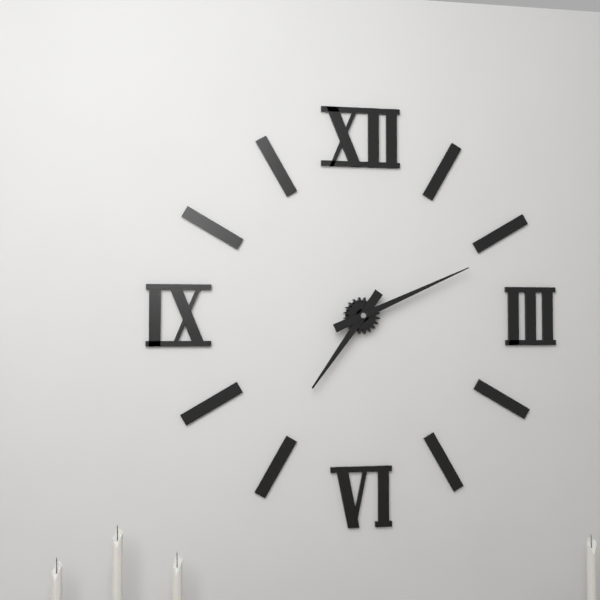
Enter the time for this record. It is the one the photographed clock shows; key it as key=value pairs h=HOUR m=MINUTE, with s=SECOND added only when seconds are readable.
h=7 m=11
